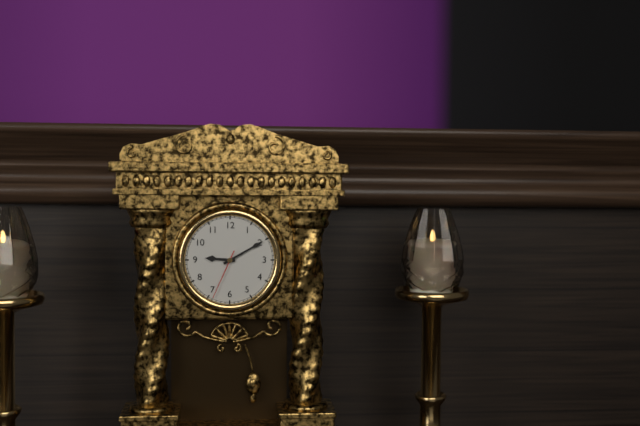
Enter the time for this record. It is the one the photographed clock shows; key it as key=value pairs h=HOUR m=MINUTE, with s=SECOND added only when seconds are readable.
h=9 m=10 s=34
